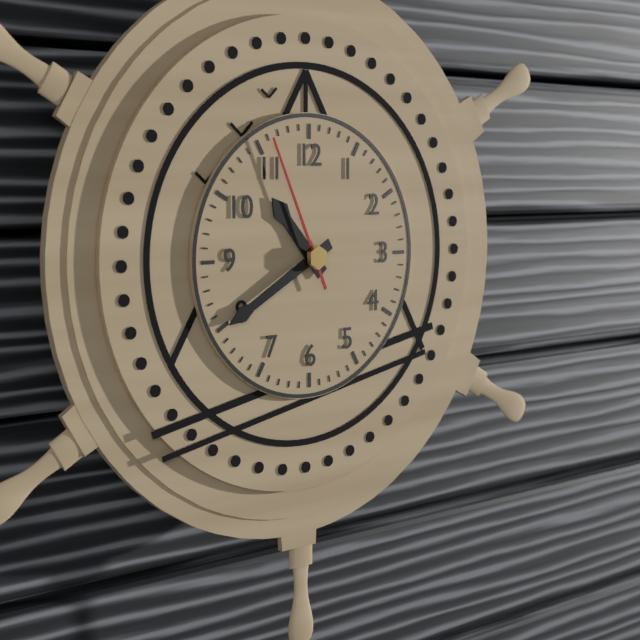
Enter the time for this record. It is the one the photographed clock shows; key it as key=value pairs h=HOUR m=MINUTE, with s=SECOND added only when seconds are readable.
h=10 m=40 s=56
